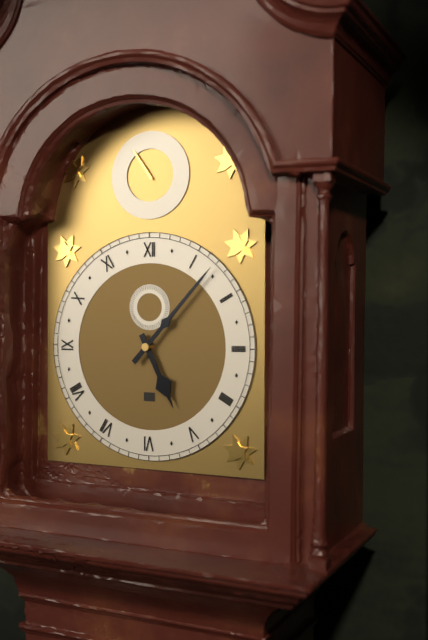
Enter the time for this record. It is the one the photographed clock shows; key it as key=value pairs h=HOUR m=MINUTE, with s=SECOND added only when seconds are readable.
h=5 m=7
